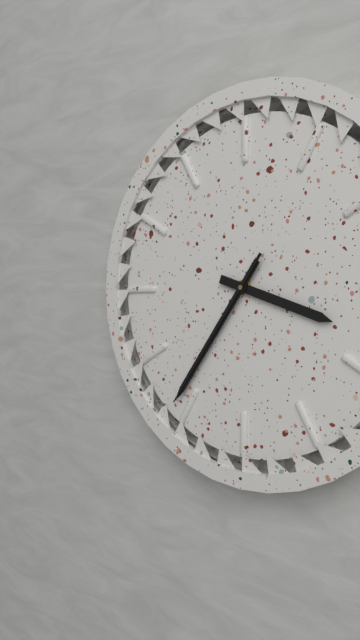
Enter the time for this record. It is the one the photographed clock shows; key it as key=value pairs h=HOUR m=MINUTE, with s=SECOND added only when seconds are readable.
h=3 m=36 s=36
